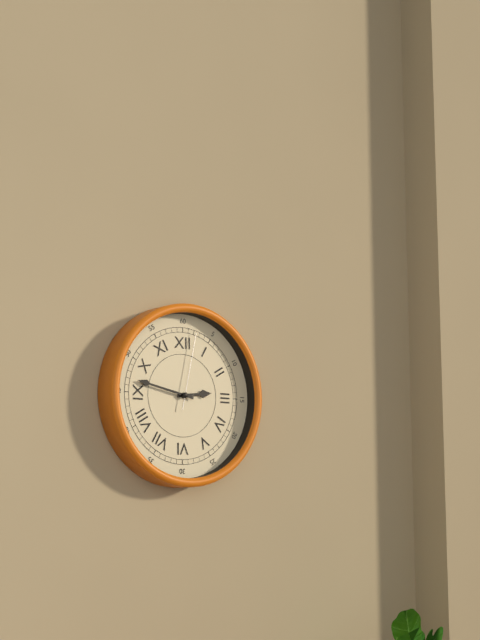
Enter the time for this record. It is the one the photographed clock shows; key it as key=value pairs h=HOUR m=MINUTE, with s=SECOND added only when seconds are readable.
h=2 m=47 s=2
